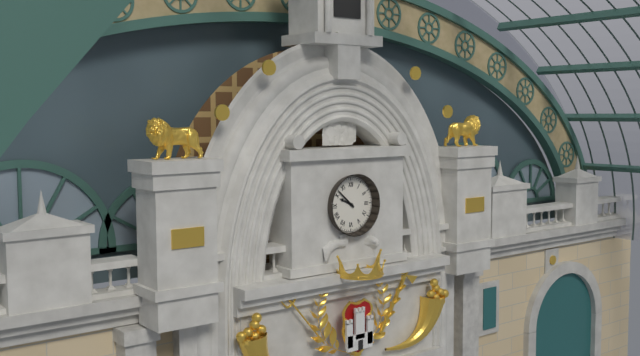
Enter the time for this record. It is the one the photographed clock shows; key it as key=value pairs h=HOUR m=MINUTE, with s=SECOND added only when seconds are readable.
h=9 m=52
